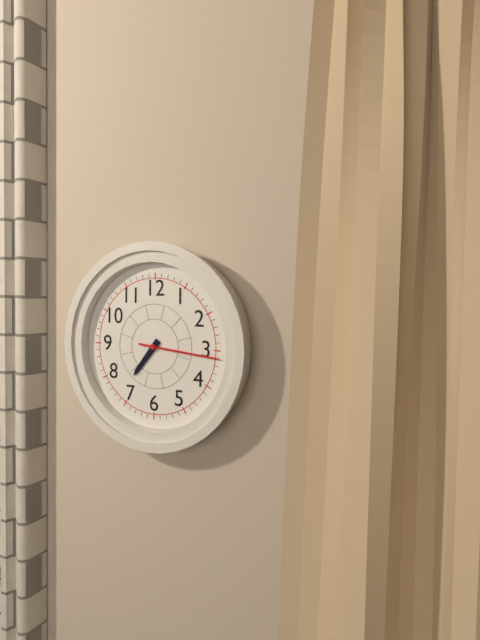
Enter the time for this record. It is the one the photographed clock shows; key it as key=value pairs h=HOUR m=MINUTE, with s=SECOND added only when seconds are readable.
h=7 m=16
